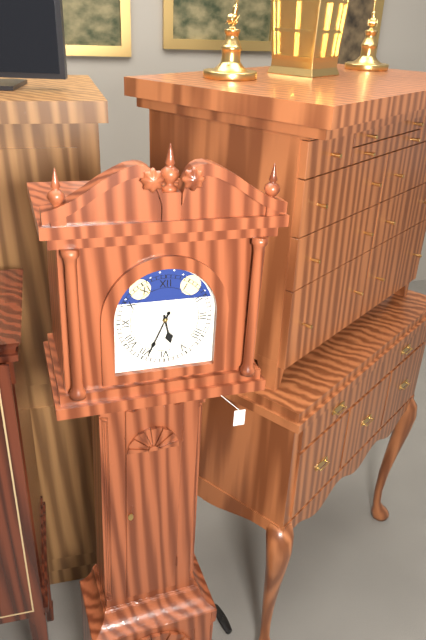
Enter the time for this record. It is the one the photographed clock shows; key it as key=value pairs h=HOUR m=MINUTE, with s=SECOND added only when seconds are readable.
h=5 m=34
